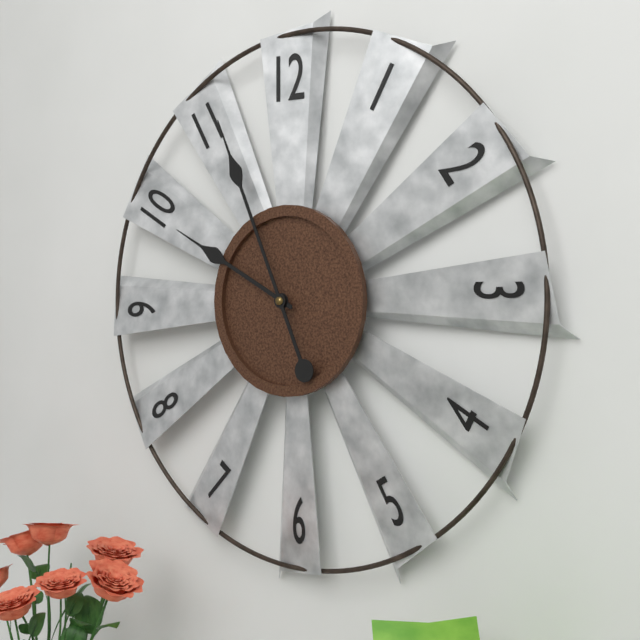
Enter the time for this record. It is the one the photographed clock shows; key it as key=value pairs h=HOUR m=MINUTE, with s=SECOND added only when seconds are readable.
h=9 m=56
